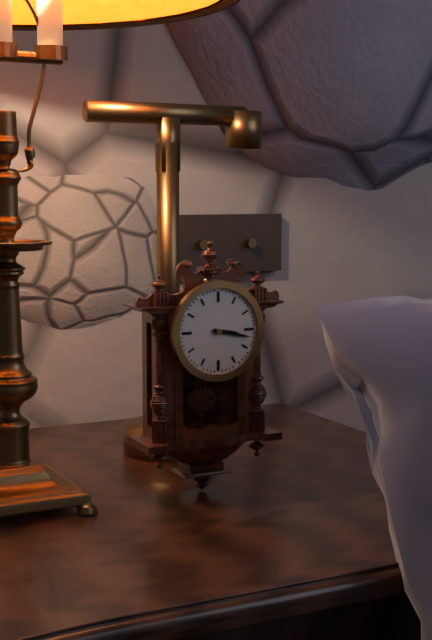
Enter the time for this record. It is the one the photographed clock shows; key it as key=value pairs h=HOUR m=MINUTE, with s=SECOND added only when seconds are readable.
h=3 m=17
